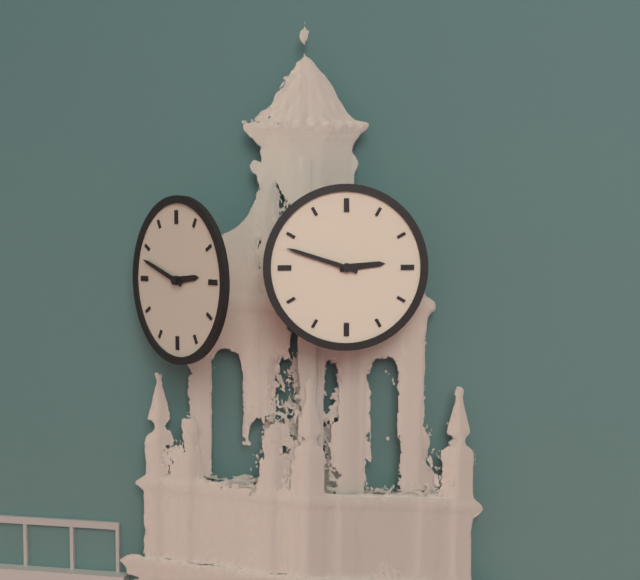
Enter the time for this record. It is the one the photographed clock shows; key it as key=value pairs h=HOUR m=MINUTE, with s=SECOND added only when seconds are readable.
h=2 m=48
